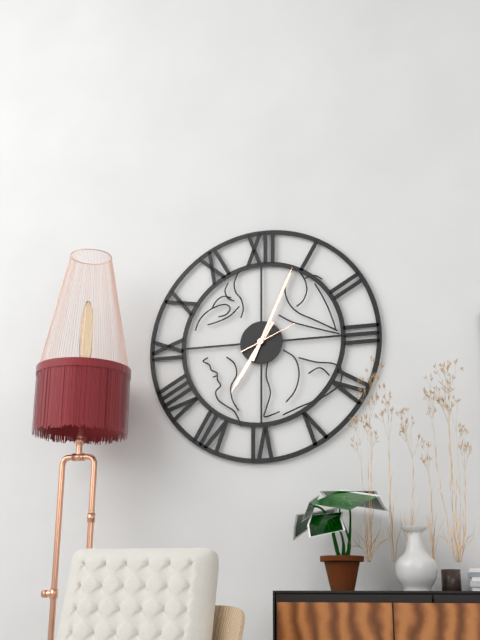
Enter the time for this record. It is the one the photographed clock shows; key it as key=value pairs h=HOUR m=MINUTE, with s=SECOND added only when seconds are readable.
h=7 m=4
